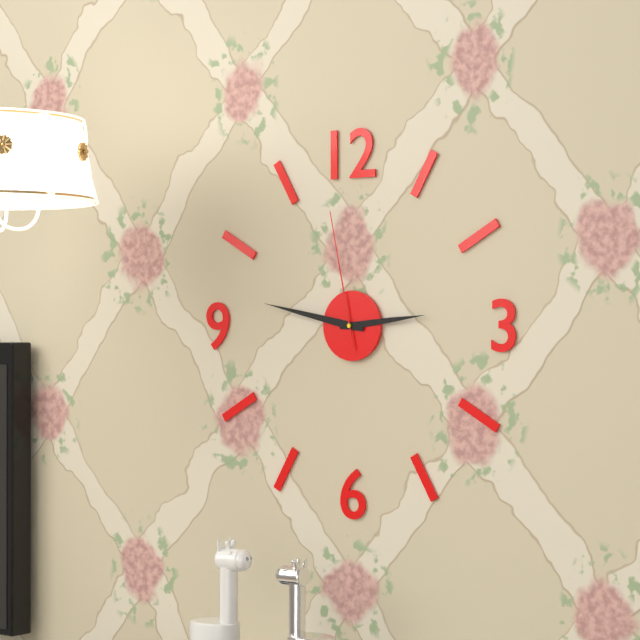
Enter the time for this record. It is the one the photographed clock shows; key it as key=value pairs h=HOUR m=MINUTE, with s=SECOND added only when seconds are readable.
h=2 m=47 s=58
